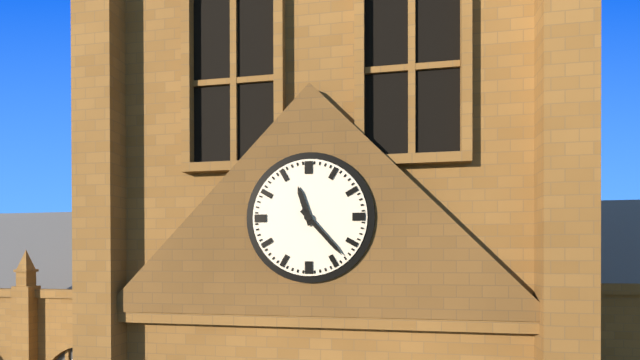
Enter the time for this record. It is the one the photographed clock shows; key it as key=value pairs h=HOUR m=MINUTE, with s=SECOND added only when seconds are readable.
h=11 m=23
